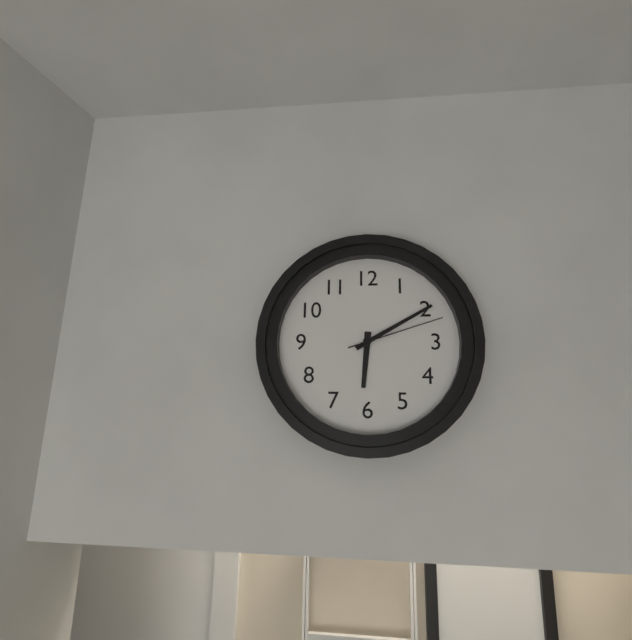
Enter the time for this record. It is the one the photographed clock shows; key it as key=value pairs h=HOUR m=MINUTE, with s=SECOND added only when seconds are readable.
h=6 m=10 s=12
